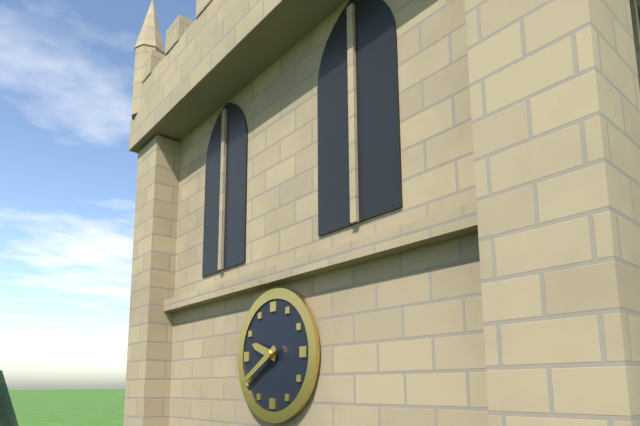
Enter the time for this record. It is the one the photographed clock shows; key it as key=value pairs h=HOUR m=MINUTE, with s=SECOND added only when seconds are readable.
h=9 m=40
